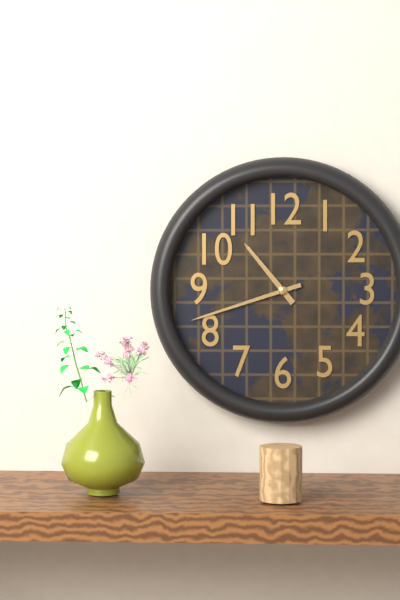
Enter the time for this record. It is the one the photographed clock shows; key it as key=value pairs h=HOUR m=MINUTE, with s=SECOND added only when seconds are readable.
h=10 m=42
